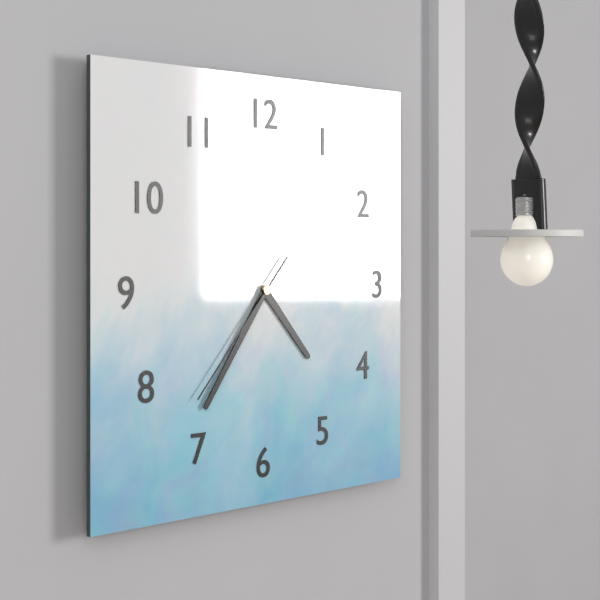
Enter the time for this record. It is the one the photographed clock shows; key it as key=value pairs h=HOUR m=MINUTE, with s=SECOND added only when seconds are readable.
h=4 m=36 s=37
